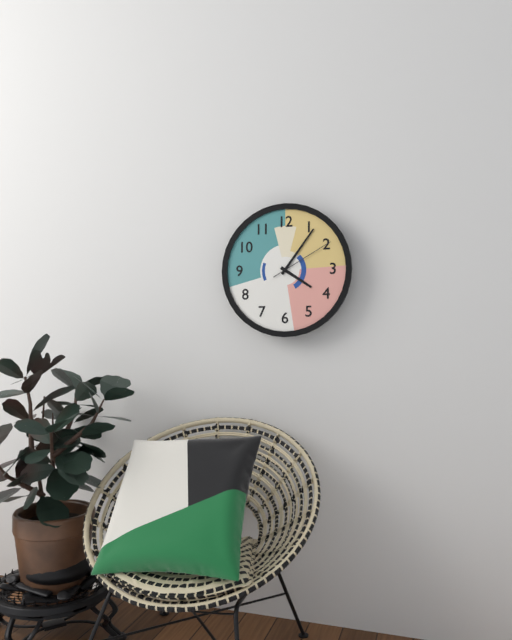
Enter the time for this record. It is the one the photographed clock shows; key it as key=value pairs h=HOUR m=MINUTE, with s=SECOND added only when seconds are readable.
h=4 m=6 s=10
